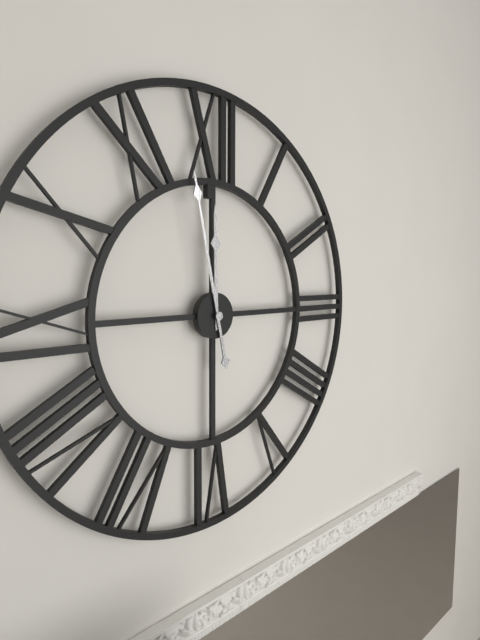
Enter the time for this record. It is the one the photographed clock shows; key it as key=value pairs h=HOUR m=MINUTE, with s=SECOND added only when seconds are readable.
h=11 m=58
